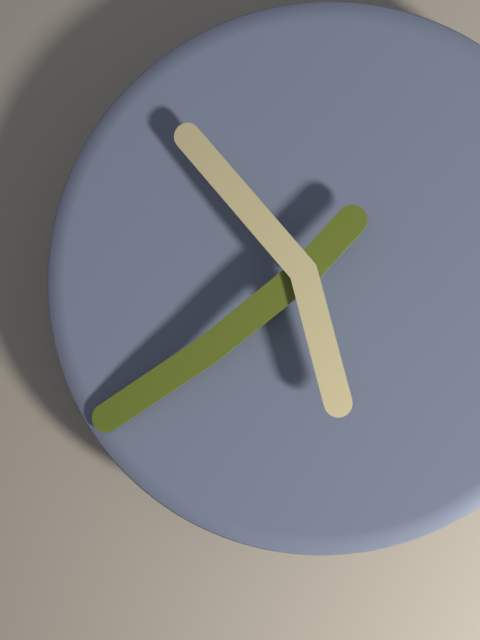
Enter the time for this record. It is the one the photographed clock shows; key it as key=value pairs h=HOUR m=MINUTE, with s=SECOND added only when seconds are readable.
h=10 m=39
